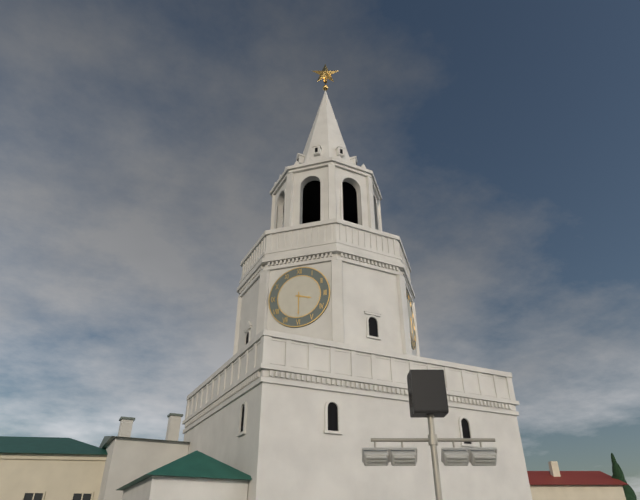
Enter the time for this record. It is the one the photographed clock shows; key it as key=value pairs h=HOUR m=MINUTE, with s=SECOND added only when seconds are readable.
h=3 m=30
